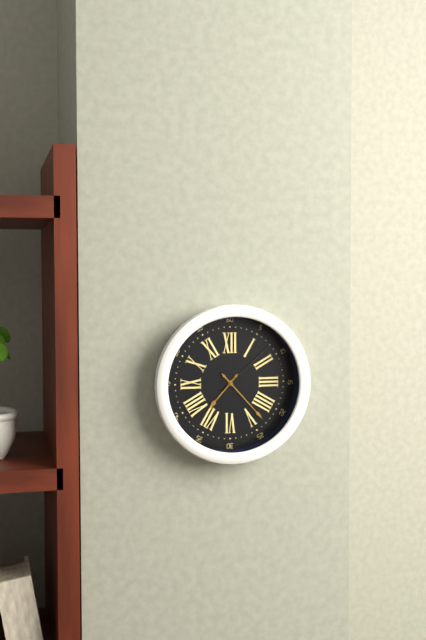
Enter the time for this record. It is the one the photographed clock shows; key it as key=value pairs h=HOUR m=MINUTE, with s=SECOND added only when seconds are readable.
h=7 m=23 s=8
